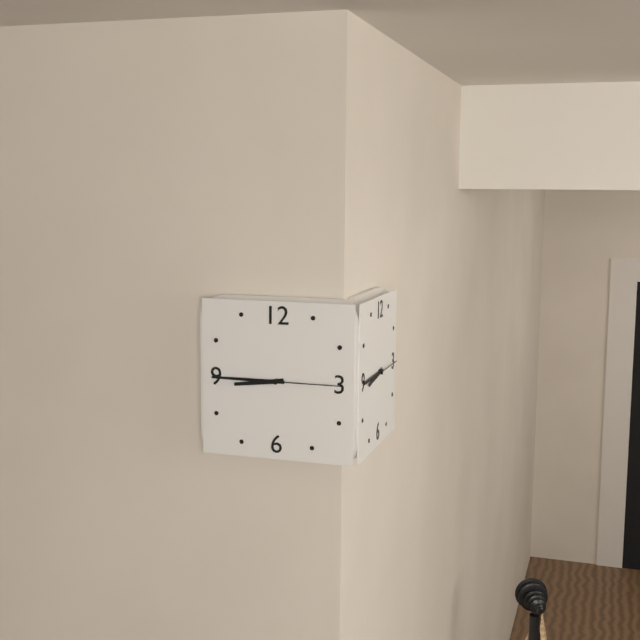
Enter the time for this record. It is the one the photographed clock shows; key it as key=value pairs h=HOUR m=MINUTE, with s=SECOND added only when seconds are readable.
h=8 m=45 s=15
